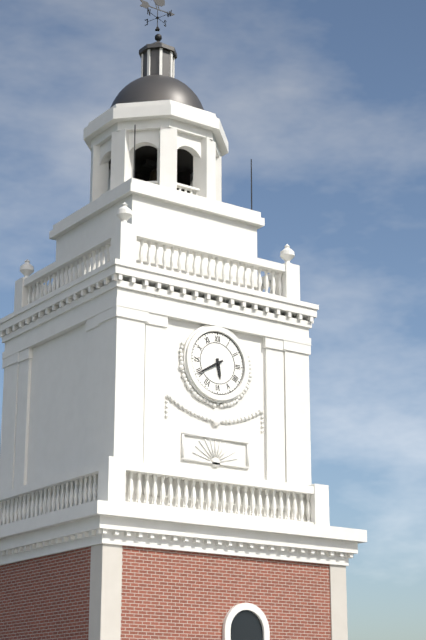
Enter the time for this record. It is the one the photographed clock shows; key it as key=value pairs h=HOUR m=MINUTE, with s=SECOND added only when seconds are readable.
h=5 m=40
